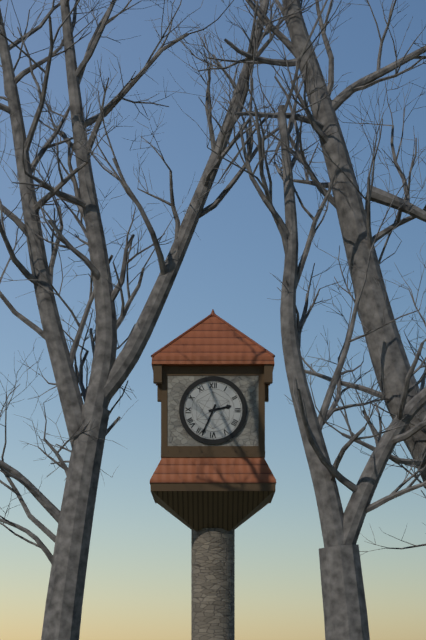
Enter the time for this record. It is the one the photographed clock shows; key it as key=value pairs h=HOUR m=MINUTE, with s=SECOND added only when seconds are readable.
h=2 m=34
